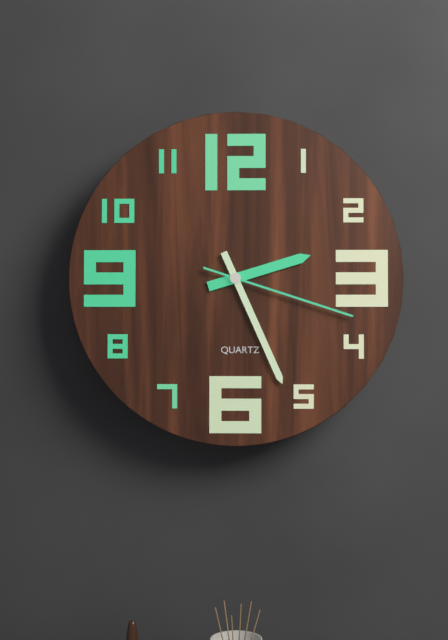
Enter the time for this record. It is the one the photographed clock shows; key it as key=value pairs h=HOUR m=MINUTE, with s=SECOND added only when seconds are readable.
h=2 m=26 s=18
